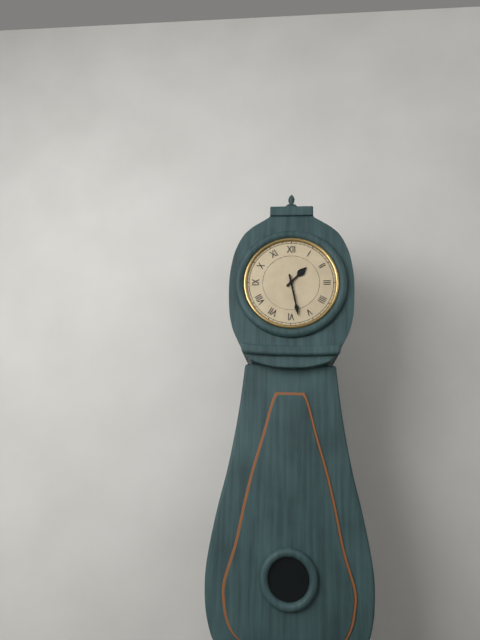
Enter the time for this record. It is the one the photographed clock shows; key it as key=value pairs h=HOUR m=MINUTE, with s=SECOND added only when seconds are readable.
h=1 m=28
